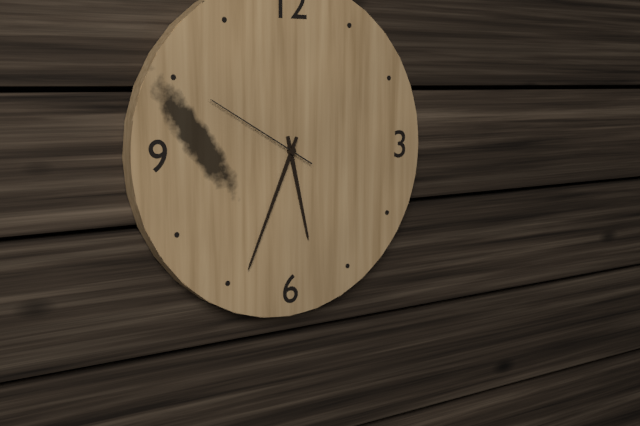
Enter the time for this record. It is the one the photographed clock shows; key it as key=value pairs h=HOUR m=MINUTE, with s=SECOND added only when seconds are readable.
h=5 m=34 s=50
